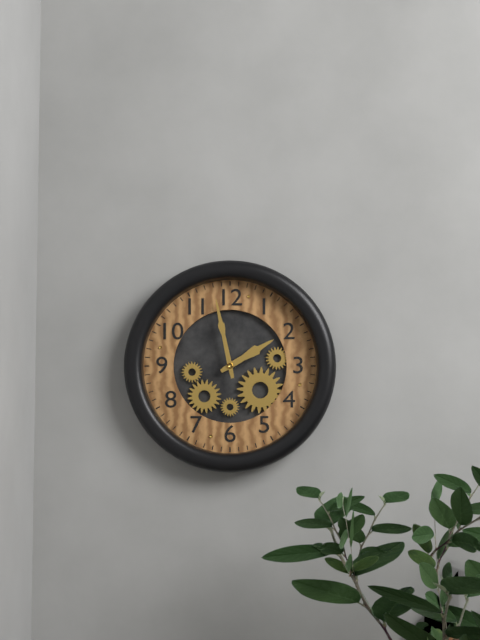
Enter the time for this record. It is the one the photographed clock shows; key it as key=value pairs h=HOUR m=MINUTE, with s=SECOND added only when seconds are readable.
h=1 m=58
